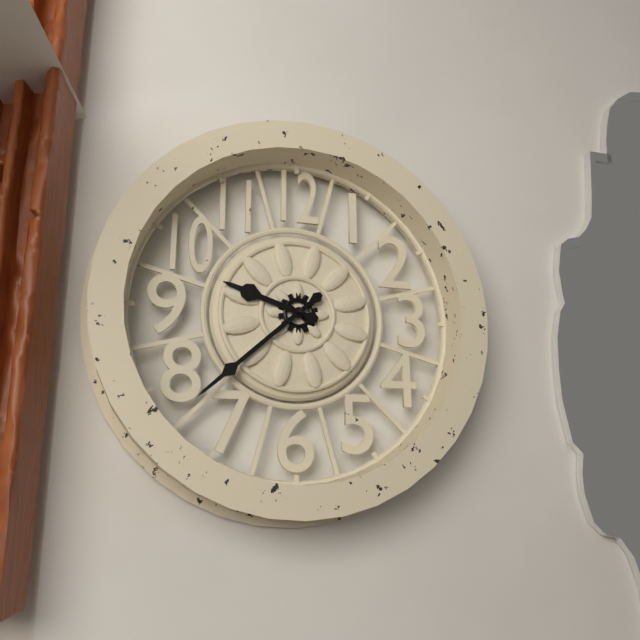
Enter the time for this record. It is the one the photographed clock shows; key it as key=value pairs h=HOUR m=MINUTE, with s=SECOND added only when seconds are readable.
h=9 m=38
